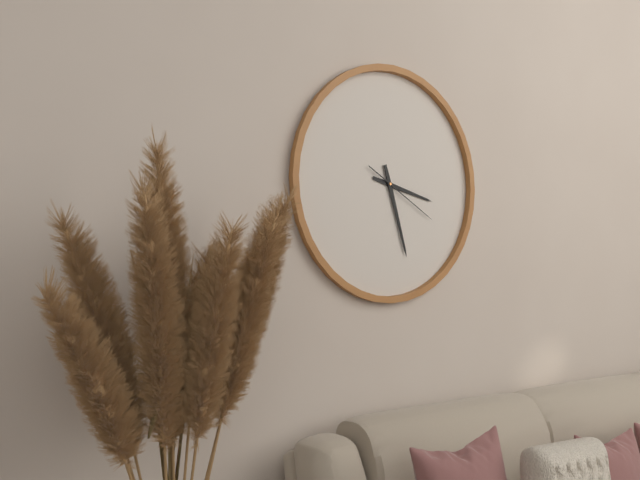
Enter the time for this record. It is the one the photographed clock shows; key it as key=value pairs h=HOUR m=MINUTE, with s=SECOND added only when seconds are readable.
h=3 m=27 s=20
